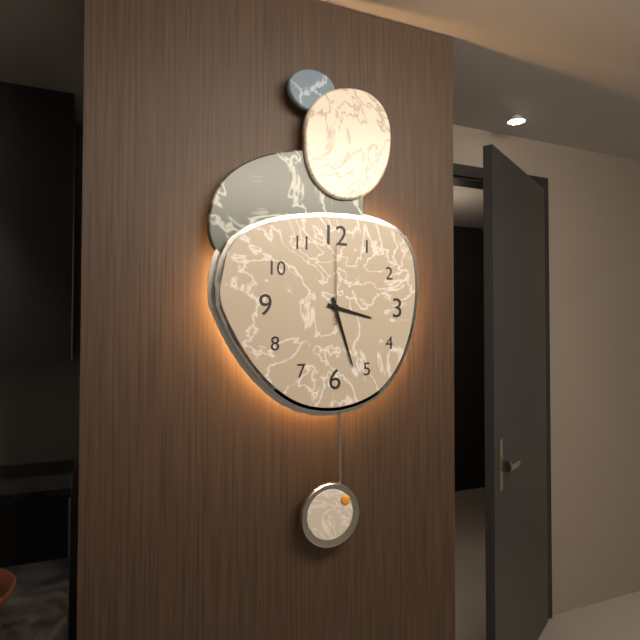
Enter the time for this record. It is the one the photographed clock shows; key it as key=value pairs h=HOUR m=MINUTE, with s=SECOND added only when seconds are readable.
h=3 m=27 s=0
